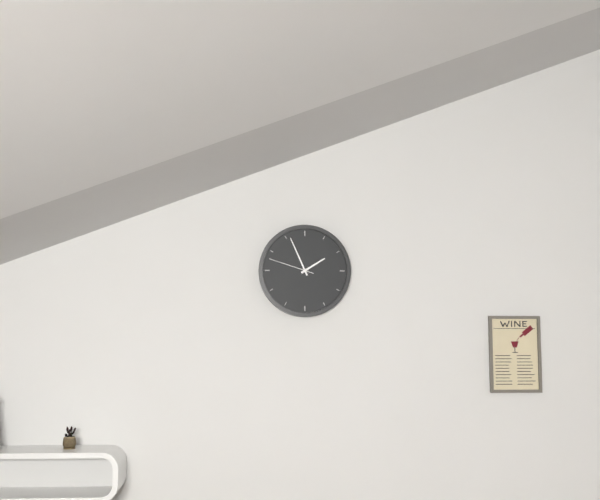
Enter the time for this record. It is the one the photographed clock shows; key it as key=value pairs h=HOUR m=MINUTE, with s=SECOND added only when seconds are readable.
h=1 m=56
